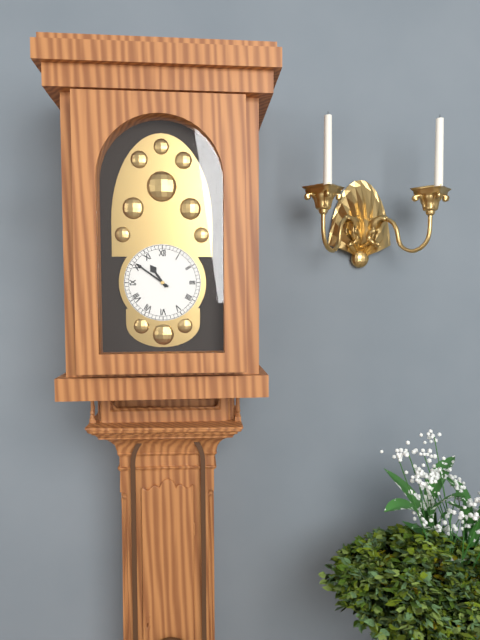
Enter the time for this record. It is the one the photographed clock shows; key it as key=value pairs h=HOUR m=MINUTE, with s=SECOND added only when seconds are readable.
h=10 m=51
